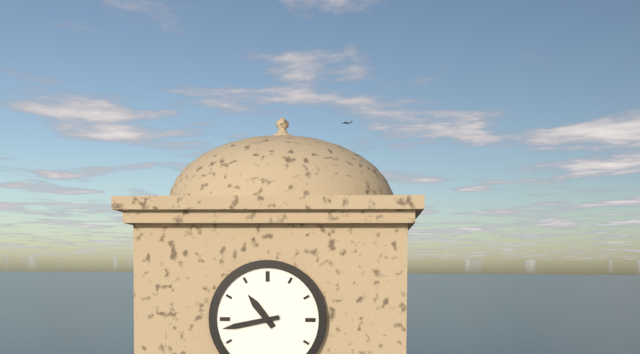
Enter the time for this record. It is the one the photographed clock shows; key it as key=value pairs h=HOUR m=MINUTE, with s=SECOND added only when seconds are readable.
h=10 m=43
